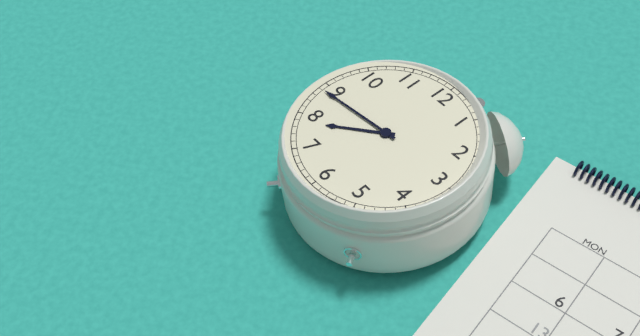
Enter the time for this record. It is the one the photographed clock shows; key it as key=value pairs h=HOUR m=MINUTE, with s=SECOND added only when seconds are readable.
h=7 m=44
